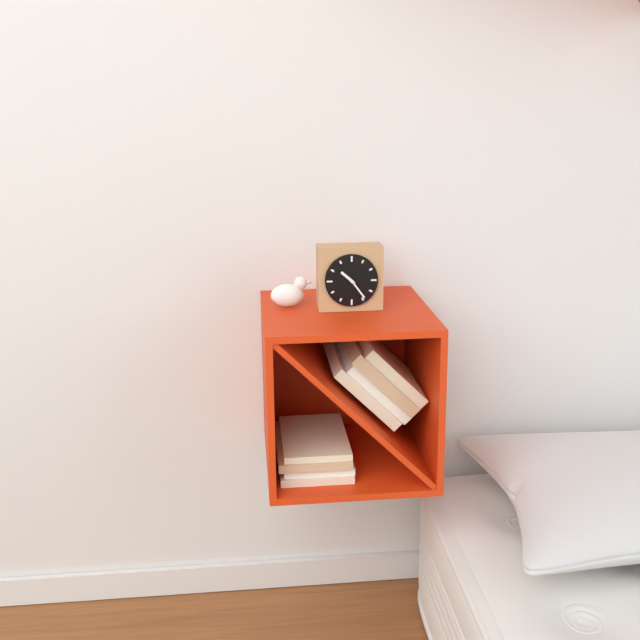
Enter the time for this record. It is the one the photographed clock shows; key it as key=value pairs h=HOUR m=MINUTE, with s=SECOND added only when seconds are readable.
h=10 m=24
